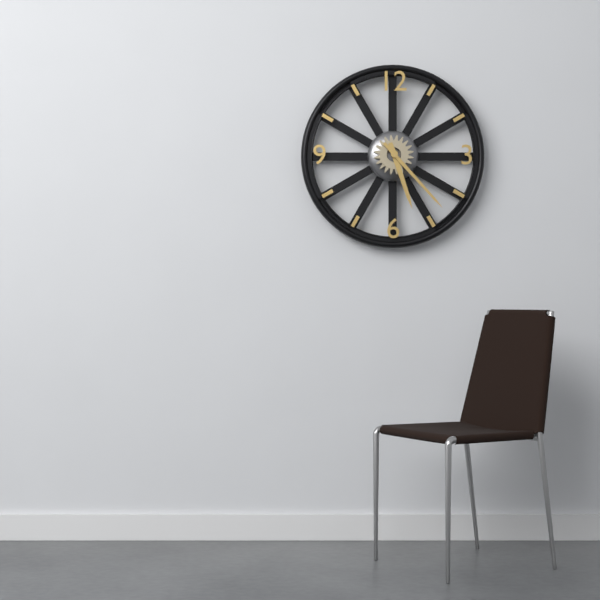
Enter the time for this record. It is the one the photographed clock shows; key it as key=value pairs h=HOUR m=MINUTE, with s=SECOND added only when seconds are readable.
h=5 m=23
